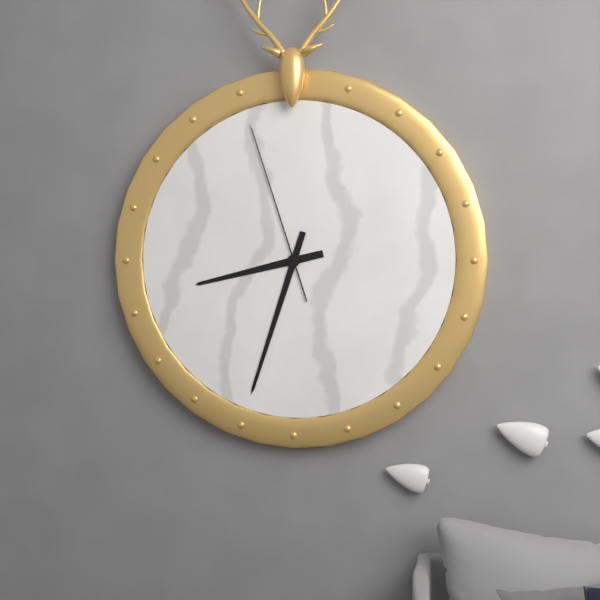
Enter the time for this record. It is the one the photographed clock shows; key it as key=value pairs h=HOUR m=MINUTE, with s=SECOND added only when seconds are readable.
h=8 m=33 s=57
